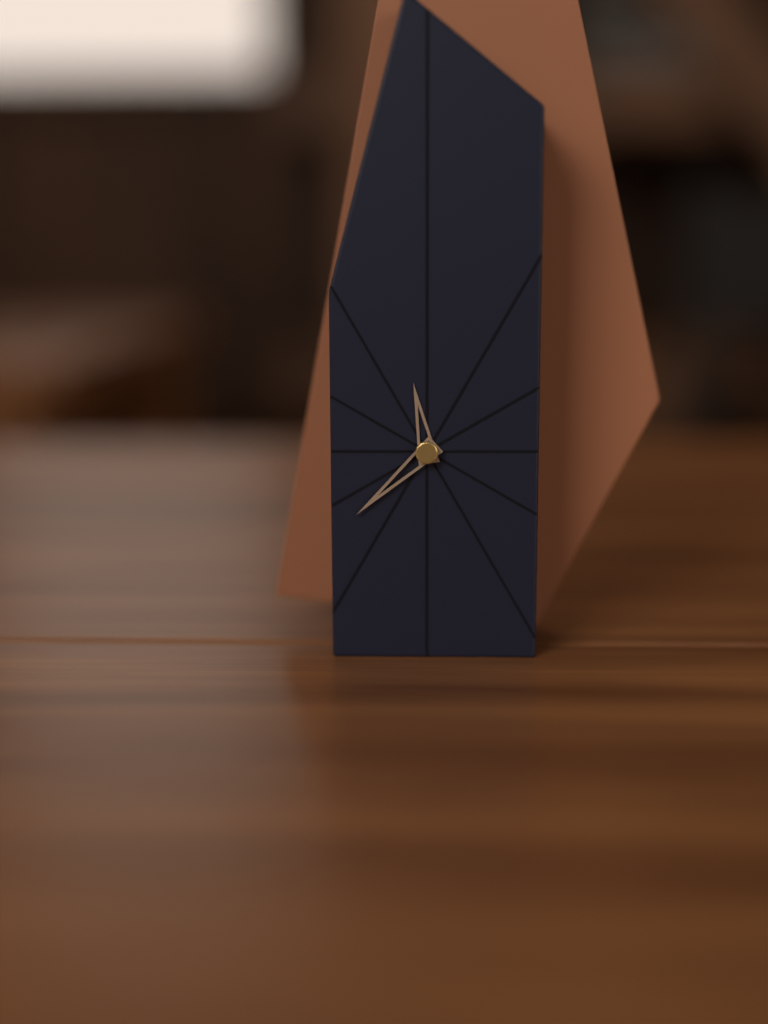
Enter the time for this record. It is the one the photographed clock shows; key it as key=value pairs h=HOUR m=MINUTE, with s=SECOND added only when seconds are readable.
h=11 m=38
